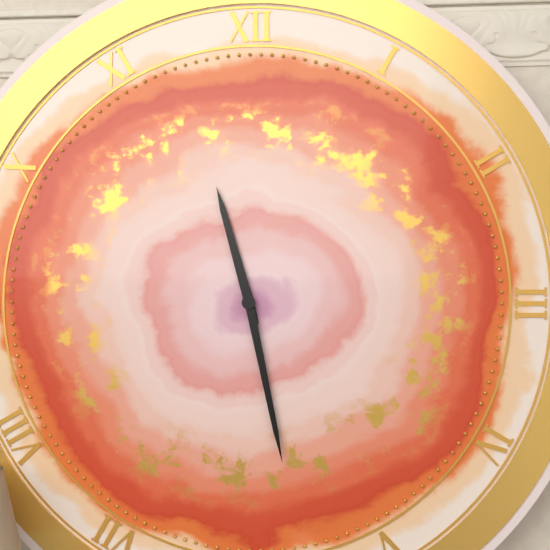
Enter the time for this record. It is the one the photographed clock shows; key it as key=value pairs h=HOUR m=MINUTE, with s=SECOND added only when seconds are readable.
h=11 m=28
